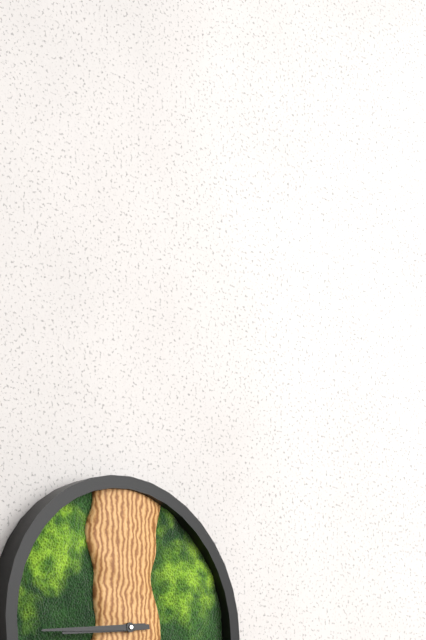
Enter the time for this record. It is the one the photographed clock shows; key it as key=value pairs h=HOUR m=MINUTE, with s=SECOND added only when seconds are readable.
h=8 m=44
